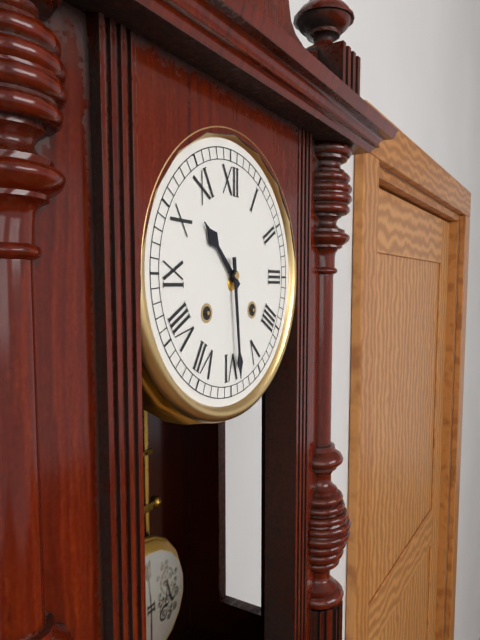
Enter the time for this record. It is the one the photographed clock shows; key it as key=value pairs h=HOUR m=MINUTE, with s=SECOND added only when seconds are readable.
h=10 m=29
